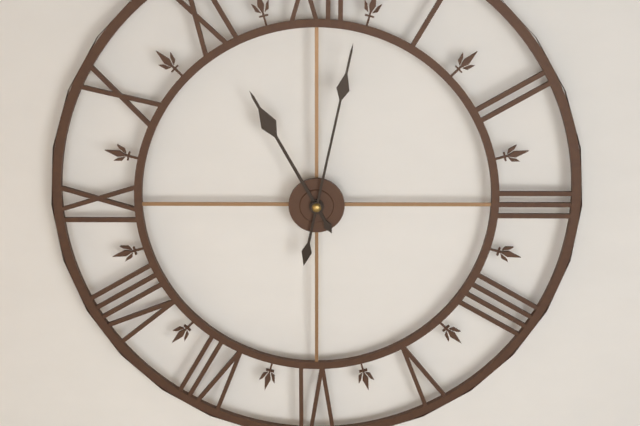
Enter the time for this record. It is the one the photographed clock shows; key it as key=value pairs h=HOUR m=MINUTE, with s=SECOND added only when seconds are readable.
h=11 m=2
